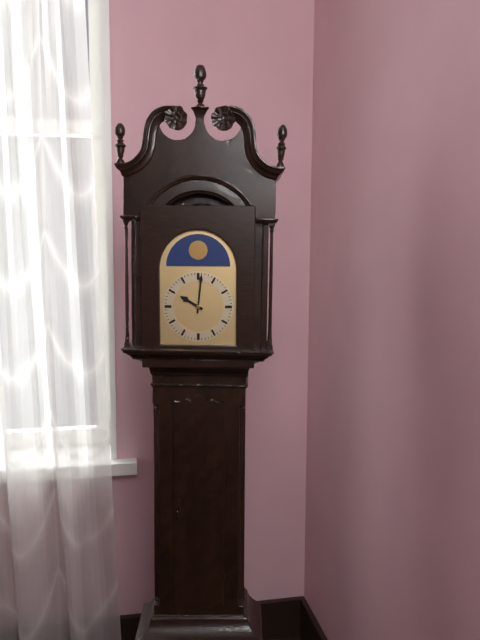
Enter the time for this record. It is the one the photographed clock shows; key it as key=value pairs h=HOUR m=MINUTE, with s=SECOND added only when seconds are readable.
h=10 m=1
